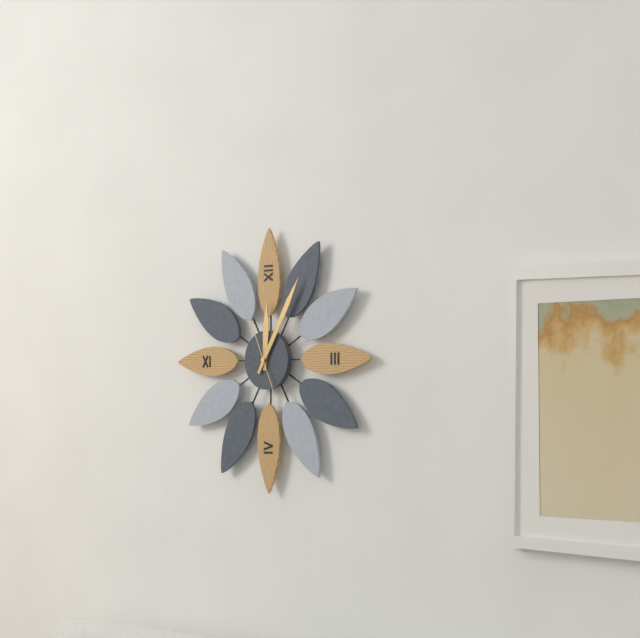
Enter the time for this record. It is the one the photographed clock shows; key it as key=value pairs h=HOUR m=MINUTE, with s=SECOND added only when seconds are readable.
h=12 m=5 s=56
